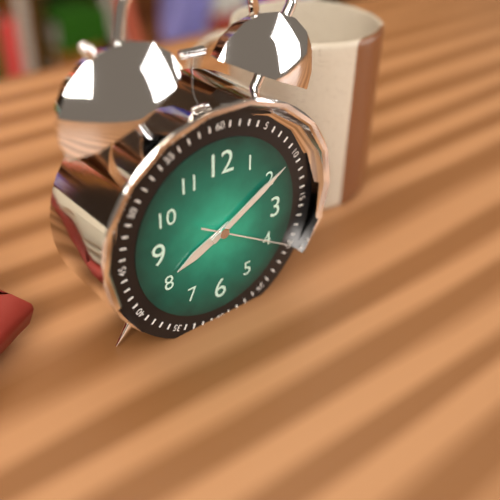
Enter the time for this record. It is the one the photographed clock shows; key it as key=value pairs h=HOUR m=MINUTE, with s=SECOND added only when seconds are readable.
h=8 m=10 s=20
